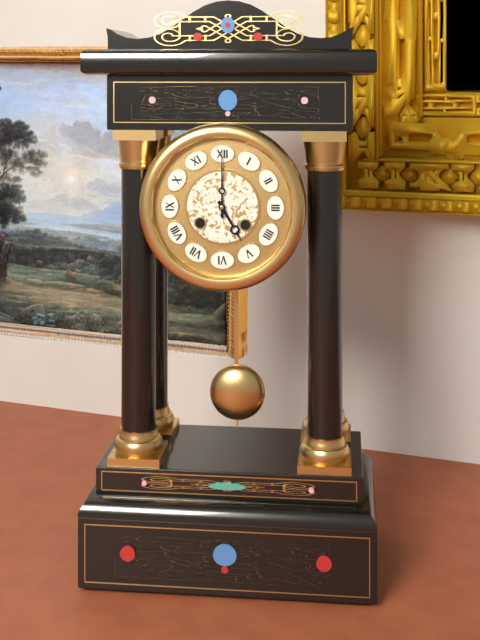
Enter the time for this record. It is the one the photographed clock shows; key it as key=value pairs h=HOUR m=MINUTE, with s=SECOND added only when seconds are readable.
h=5 m=0
